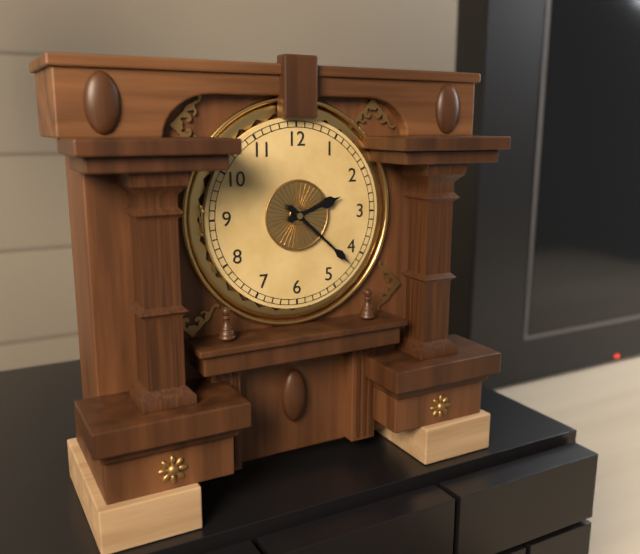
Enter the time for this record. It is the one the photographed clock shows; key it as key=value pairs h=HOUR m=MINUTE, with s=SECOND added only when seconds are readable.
h=2 m=22
